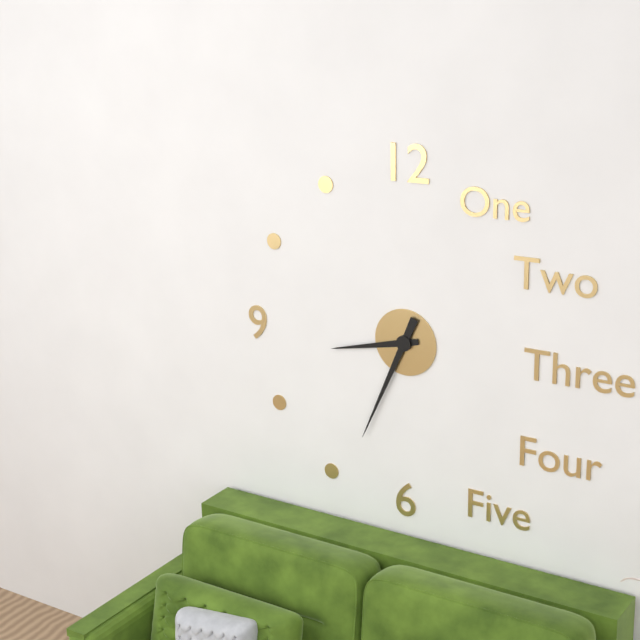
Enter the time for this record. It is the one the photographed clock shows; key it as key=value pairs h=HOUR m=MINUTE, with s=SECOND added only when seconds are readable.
h=8 m=34
